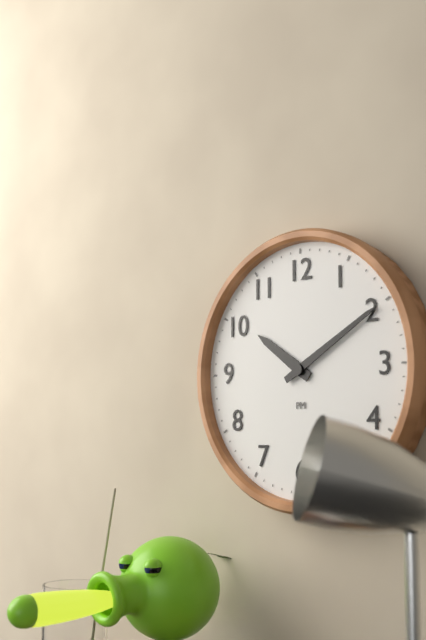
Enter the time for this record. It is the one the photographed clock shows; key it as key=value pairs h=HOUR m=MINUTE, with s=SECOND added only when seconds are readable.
h=10 m=10
